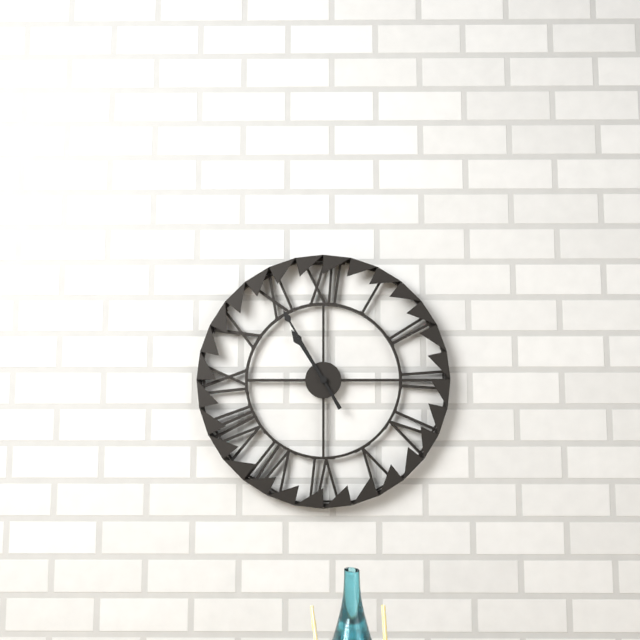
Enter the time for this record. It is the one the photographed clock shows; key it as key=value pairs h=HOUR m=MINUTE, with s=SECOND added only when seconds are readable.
h=10 m=55
